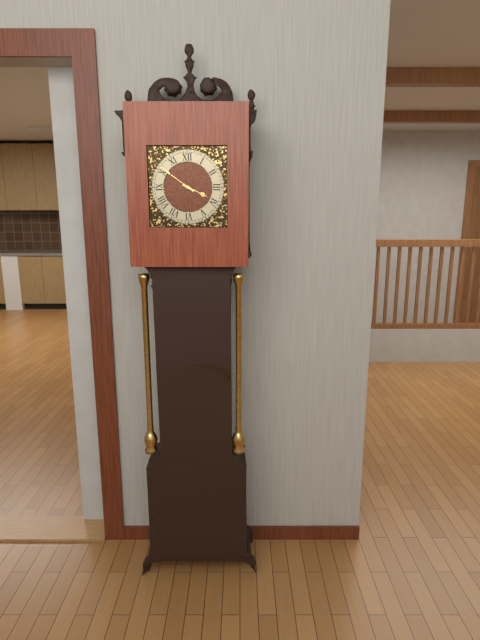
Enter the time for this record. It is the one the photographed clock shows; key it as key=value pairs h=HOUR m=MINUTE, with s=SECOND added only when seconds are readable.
h=3 m=51
